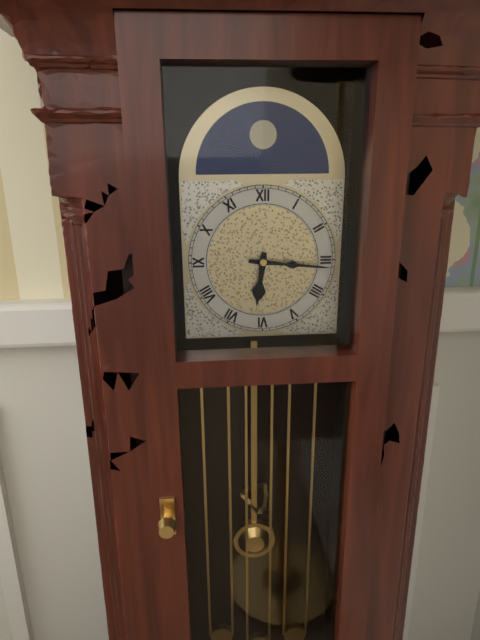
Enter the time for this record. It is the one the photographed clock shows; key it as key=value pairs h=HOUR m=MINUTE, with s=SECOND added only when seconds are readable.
h=6 m=16
